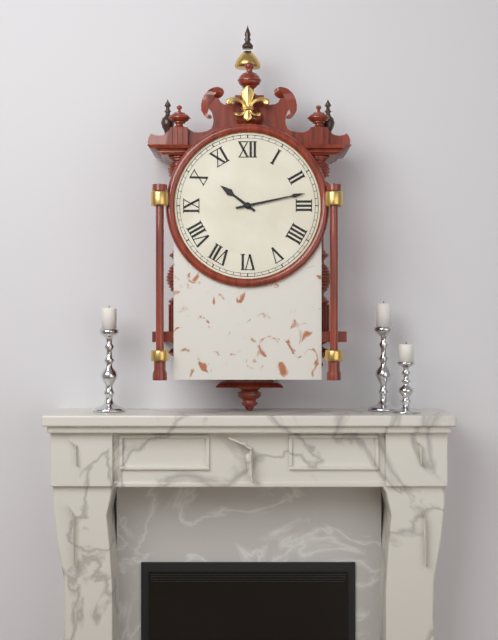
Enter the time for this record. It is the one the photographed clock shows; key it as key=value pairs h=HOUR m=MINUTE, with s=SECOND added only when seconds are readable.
h=10 m=13
